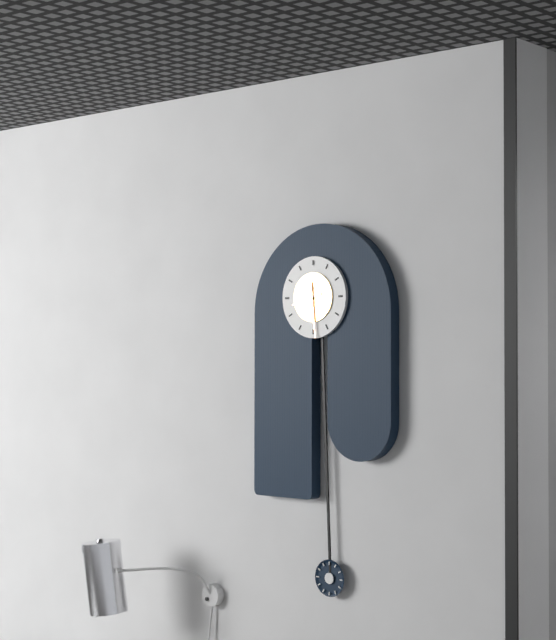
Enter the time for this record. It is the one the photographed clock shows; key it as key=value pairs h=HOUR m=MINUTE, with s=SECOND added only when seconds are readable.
h=8 m=29
